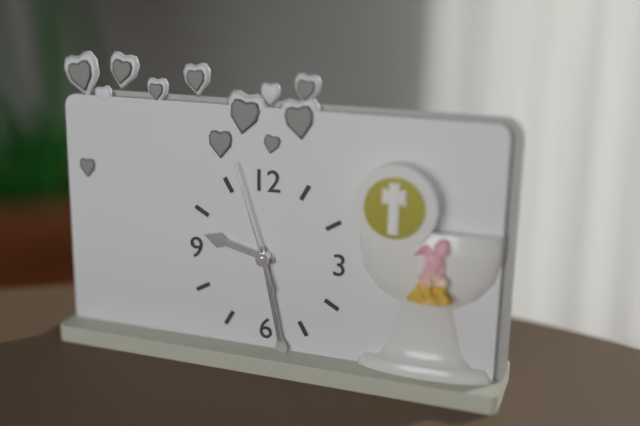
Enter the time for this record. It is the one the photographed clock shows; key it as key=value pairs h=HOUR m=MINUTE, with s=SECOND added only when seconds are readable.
h=9 m=28 s=57
